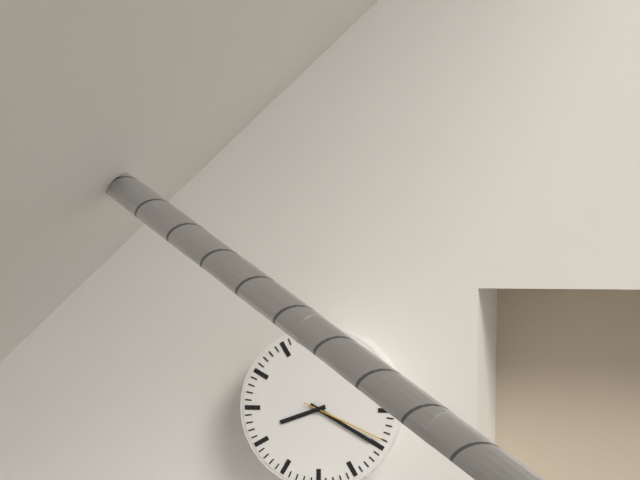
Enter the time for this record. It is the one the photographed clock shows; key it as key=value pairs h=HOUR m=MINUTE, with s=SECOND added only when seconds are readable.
h=8 m=20 s=19
